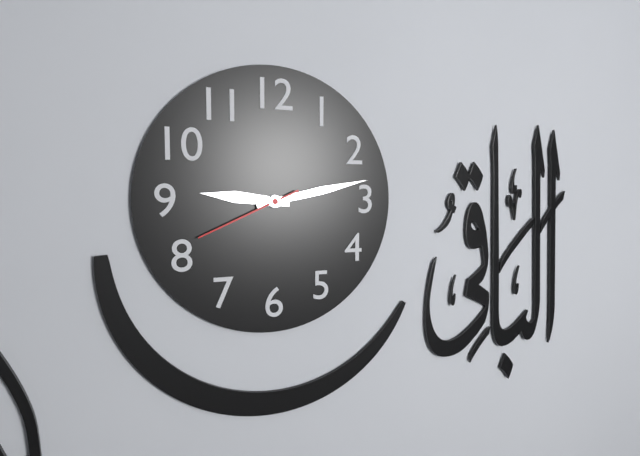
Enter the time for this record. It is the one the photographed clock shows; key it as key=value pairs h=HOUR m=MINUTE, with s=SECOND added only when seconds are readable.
h=9 m=13 s=41
